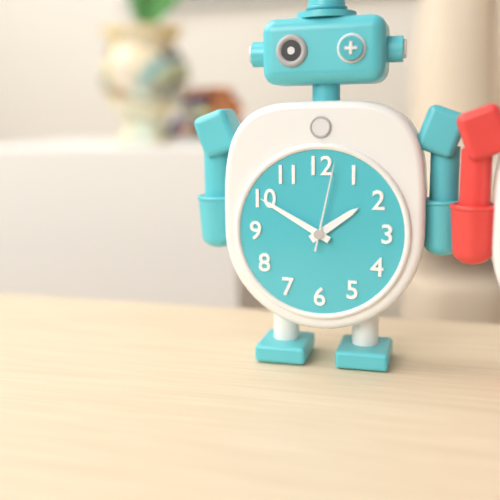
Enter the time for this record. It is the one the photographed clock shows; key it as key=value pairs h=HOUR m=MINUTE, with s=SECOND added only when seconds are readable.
h=1 m=50 s=2
